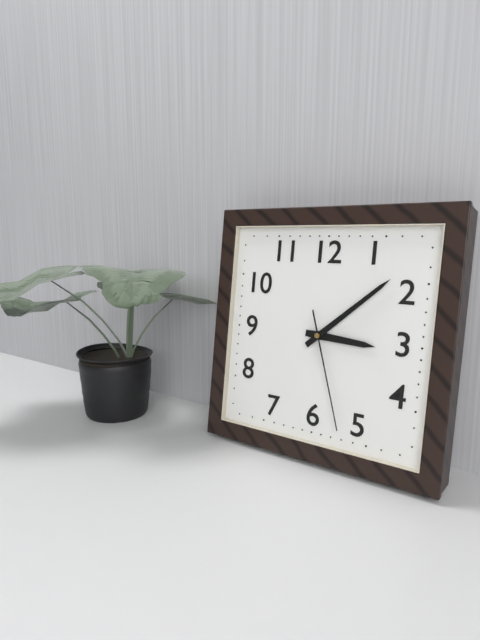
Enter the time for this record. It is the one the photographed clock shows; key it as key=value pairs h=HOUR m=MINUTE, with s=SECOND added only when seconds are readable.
h=3 m=8 s=27
